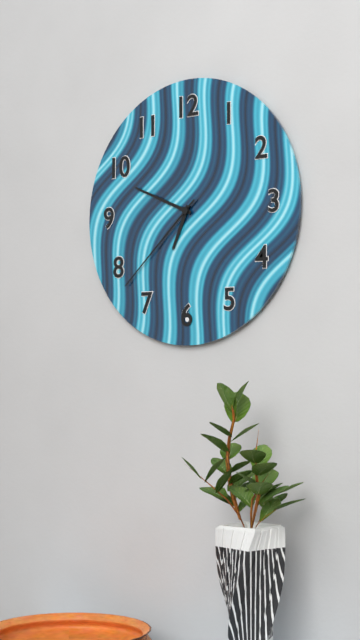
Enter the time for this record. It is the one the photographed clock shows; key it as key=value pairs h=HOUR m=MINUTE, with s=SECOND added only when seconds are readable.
h=6 m=49 s=38
